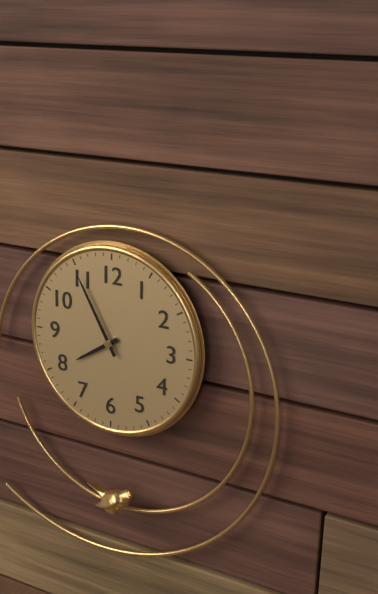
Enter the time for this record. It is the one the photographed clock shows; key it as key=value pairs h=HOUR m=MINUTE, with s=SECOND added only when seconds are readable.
h=7 m=55
